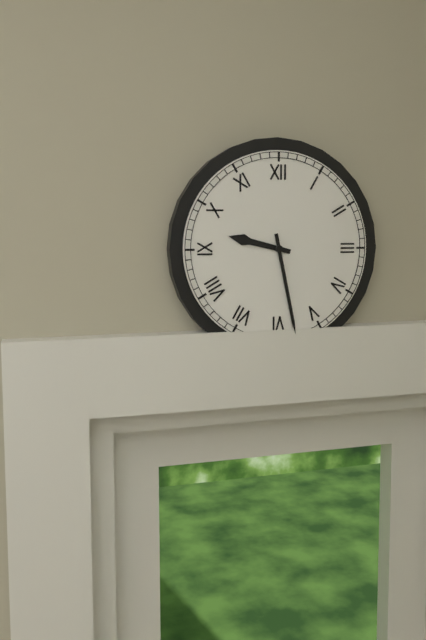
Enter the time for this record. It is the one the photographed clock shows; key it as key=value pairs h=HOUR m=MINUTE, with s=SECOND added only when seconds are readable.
h=9 m=28
